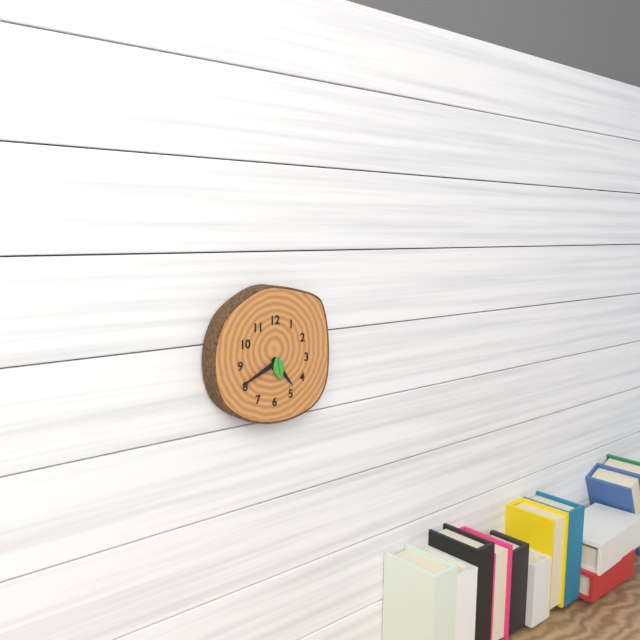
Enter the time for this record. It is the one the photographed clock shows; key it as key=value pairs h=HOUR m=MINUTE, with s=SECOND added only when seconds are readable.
h=4 m=41
